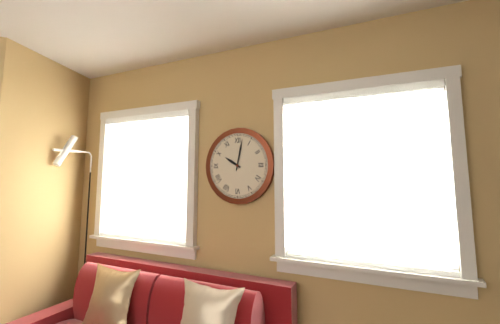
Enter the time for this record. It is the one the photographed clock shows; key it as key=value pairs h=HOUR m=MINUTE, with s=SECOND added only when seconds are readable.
h=10 m=2
